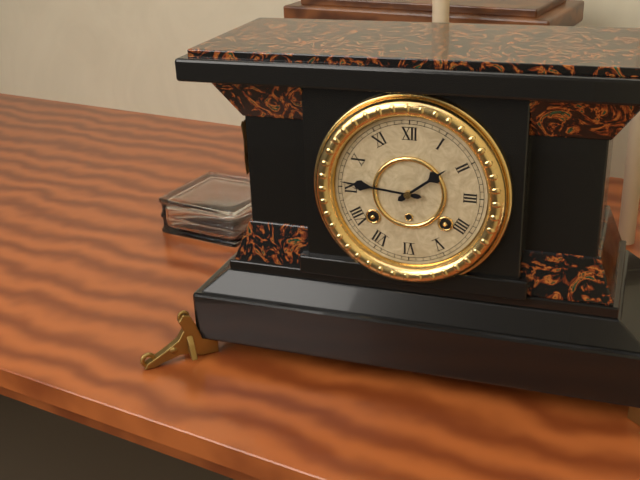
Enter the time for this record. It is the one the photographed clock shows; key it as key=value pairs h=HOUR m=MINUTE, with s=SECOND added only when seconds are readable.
h=1 m=46
